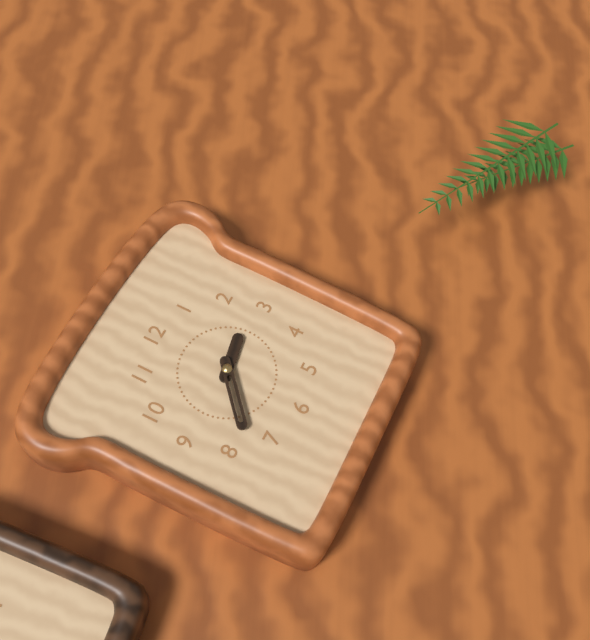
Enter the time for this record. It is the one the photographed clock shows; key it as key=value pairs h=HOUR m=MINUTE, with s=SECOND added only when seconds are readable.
h=2 m=38
